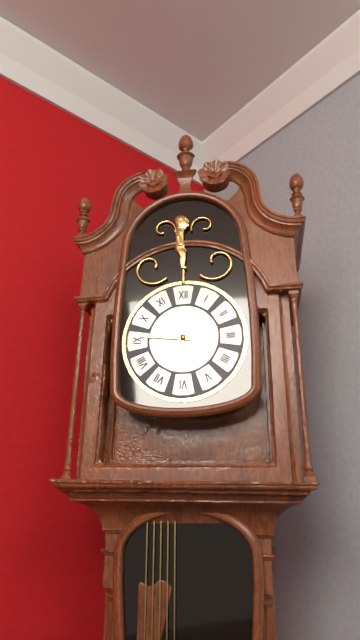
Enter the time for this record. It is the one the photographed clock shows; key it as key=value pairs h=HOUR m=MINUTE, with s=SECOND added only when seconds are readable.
h=12 m=46
